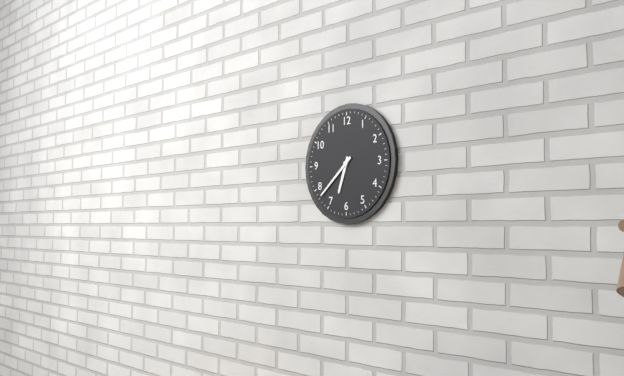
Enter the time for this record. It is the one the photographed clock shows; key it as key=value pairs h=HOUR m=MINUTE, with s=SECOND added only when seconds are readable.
h=6 m=38
